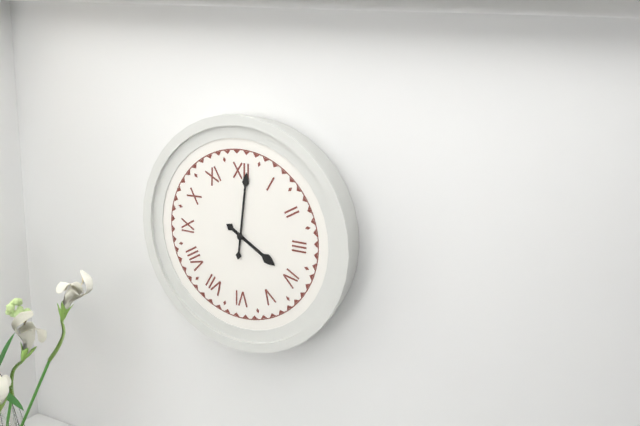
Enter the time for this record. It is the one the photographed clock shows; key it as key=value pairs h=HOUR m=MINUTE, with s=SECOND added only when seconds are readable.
h=4 m=1
